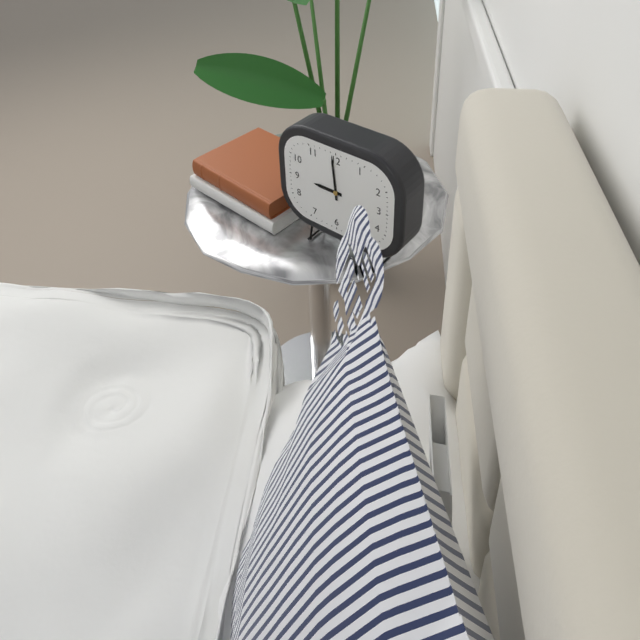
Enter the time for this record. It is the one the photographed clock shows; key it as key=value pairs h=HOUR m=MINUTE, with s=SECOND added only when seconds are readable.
h=8 m=59
